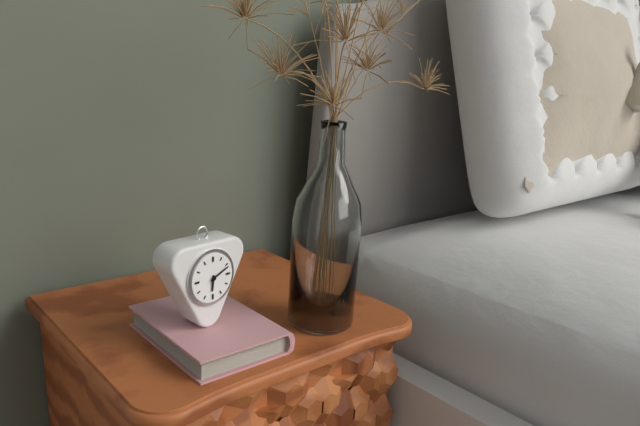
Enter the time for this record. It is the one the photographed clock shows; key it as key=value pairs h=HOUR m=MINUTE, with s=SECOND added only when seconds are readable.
h=6 m=11
